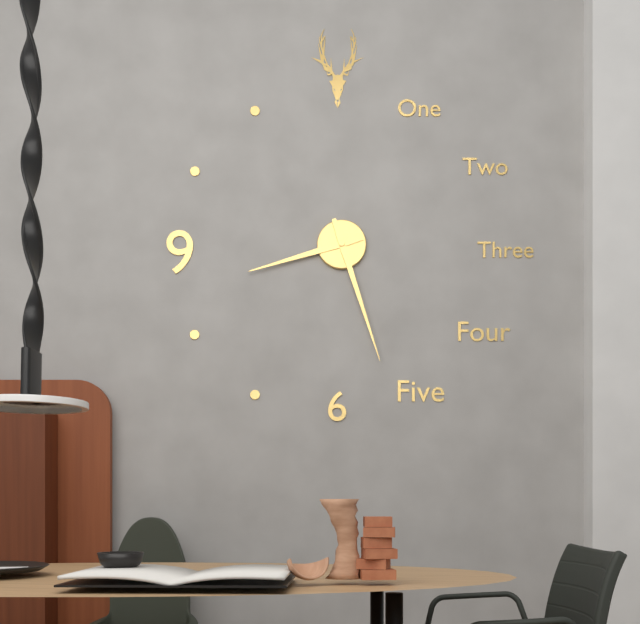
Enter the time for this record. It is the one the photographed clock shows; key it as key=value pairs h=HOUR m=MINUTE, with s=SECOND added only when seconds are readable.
h=8 m=27
